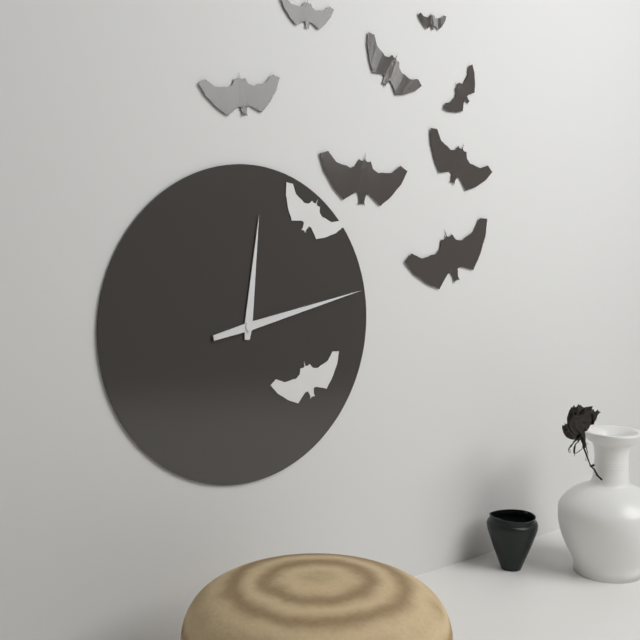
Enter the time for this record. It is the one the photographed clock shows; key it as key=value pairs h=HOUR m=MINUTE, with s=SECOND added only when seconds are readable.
h=12 m=13
